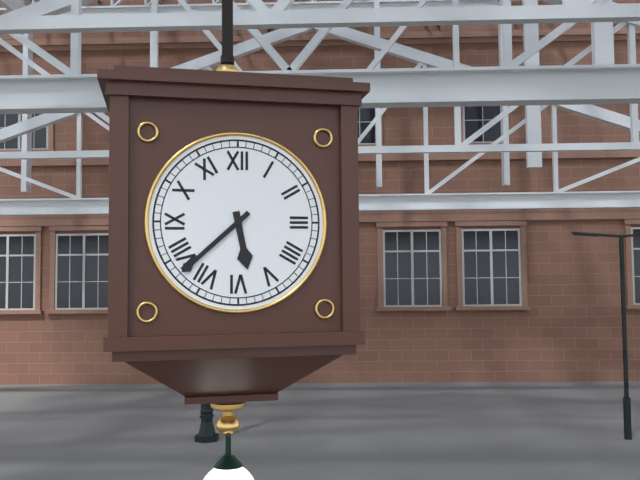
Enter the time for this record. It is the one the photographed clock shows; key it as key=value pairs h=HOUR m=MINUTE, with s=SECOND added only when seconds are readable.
h=5 m=38
